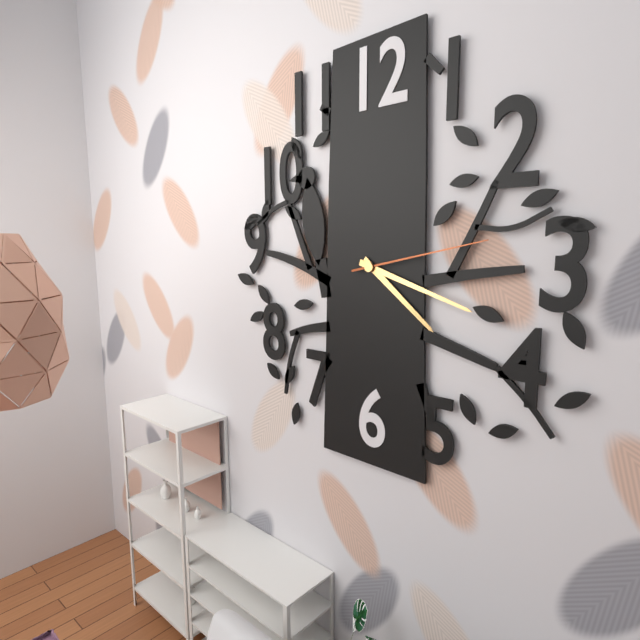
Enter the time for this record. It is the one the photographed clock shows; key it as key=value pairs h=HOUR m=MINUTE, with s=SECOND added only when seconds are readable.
h=4 m=18 s=13
